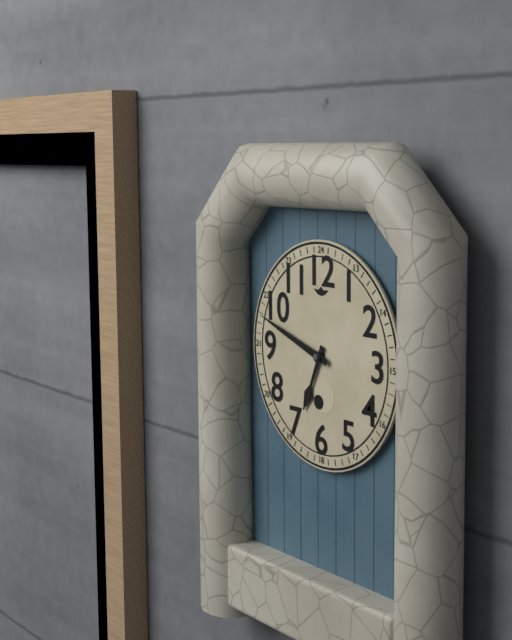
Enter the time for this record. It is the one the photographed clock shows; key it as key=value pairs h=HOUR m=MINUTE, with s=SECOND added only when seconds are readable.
h=6 m=48
